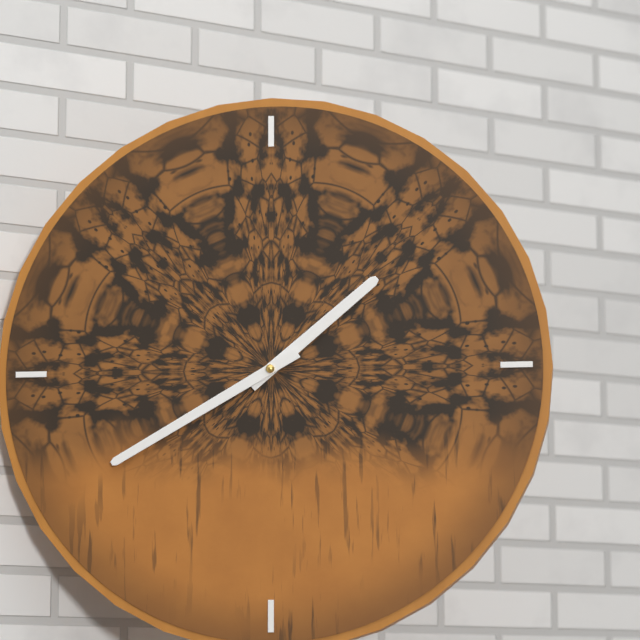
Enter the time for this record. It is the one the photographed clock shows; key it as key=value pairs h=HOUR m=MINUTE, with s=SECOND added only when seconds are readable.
h=1 m=40
